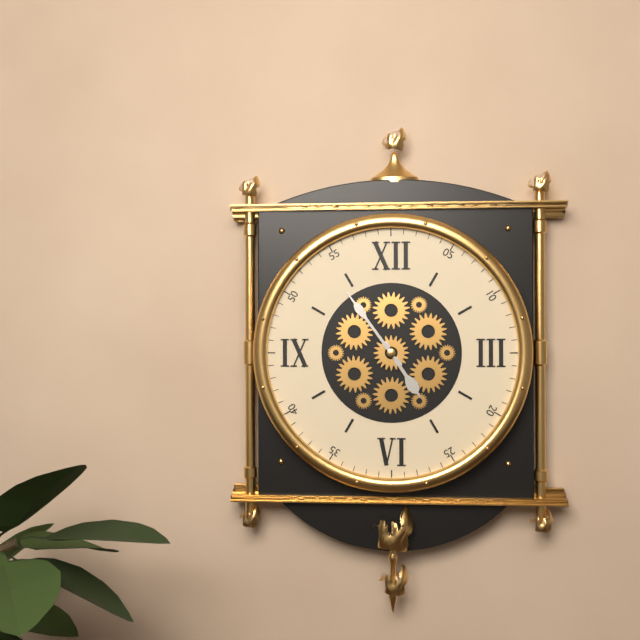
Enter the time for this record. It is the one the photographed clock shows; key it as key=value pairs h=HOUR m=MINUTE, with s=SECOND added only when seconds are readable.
h=4 m=54
